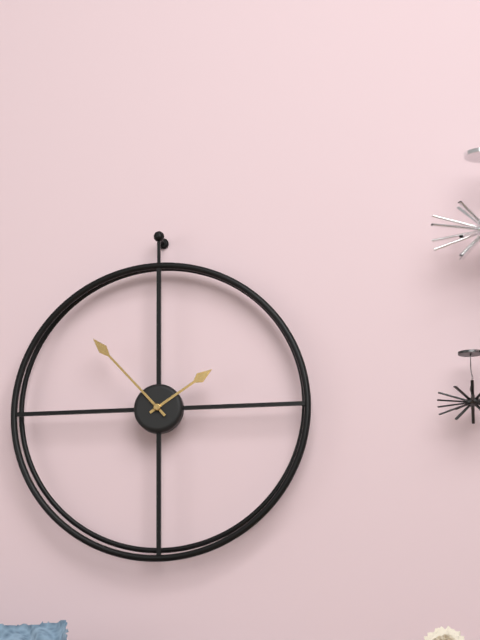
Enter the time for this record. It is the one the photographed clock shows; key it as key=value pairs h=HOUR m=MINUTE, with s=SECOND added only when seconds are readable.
h=1 m=53
